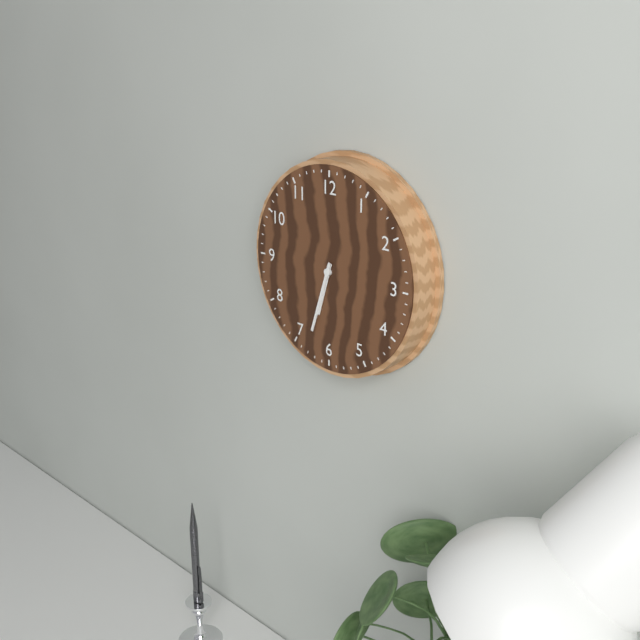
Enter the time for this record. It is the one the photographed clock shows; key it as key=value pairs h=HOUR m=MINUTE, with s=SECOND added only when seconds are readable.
h=6 m=33
